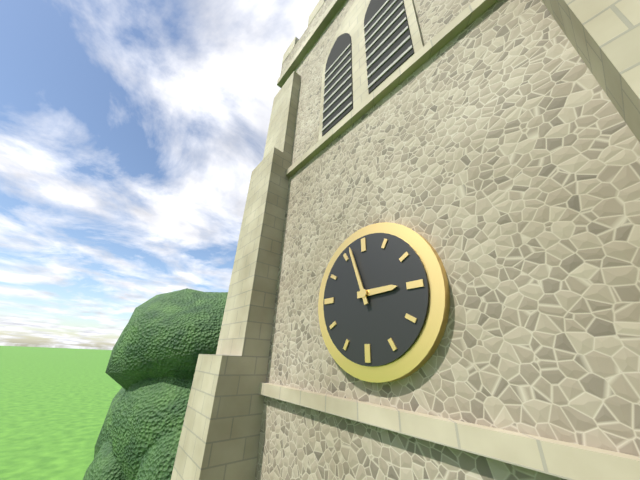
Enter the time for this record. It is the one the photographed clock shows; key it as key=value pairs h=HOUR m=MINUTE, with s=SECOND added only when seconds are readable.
h=2 m=57
